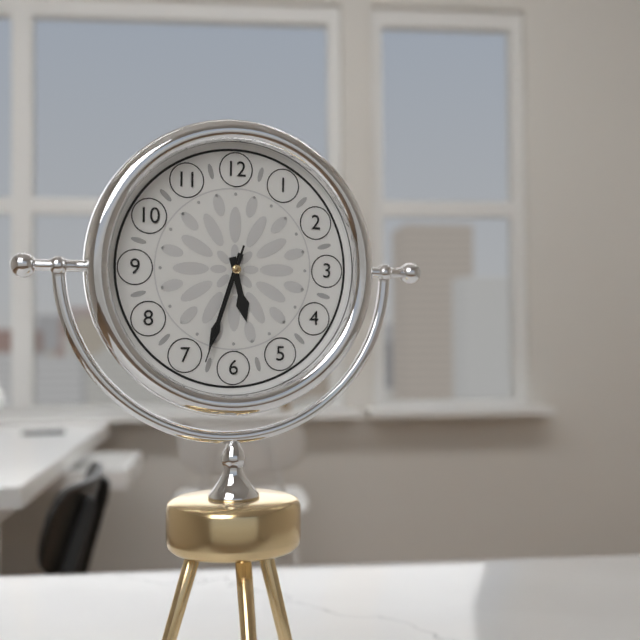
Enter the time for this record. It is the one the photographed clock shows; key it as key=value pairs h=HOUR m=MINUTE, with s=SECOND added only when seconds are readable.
h=5 m=33 s=33
